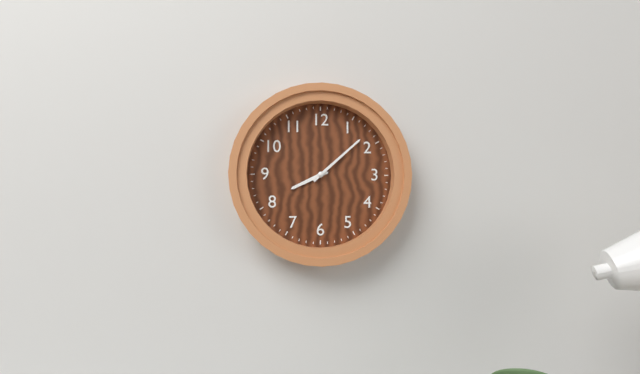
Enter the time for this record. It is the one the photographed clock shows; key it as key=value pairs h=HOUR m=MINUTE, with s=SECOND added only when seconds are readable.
h=8 m=8
